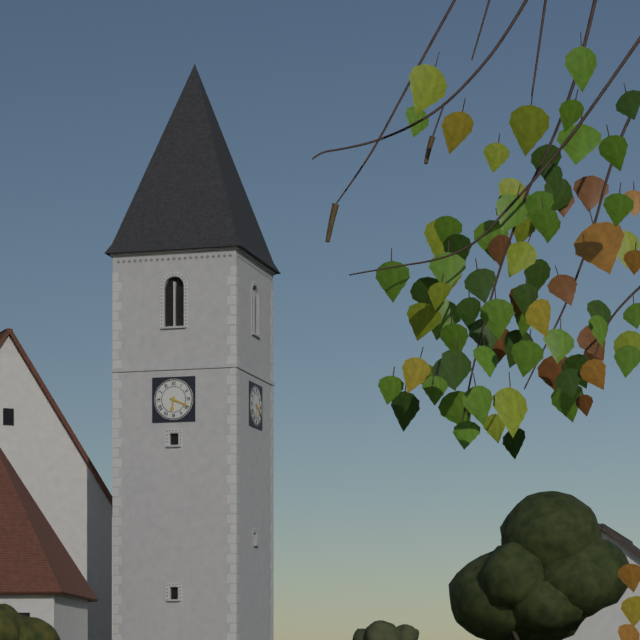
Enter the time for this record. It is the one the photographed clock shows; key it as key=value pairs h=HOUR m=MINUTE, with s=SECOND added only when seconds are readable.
h=6 m=19
